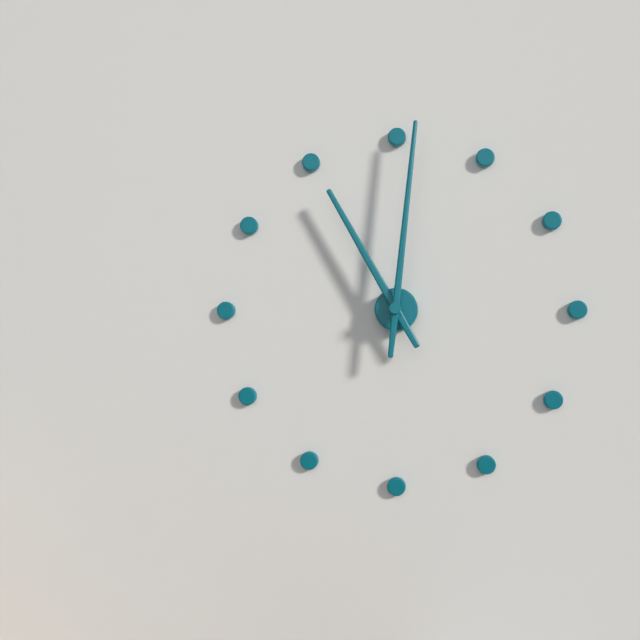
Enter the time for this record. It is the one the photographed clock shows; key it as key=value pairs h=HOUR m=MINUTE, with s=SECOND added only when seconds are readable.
h=11 m=1
